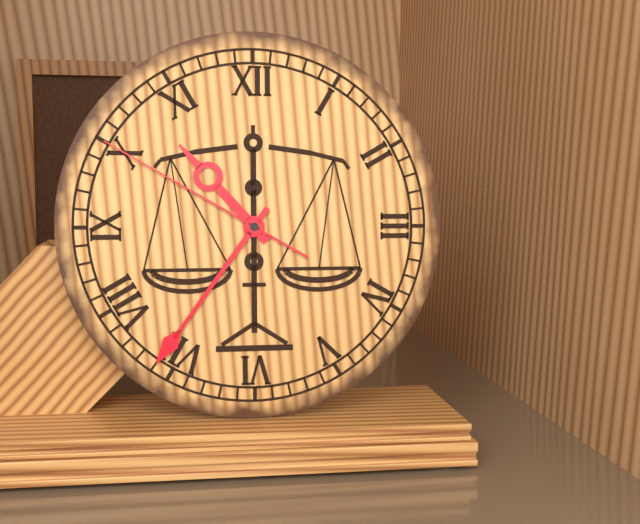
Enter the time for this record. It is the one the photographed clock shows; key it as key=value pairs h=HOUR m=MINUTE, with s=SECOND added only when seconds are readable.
h=10 m=36 s=50
